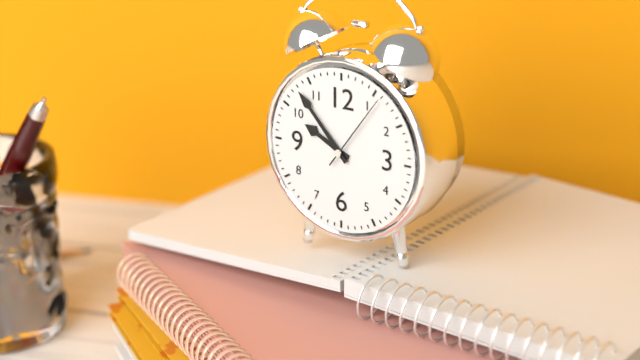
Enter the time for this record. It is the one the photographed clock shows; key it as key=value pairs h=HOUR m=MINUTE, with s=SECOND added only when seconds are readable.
h=9 m=53 s=6
